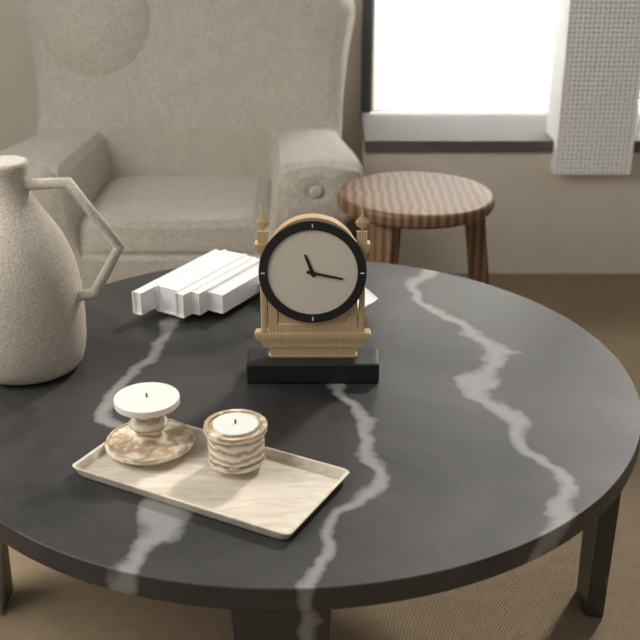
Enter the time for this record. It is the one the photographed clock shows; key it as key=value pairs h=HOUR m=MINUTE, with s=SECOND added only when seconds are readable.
h=11 m=17
